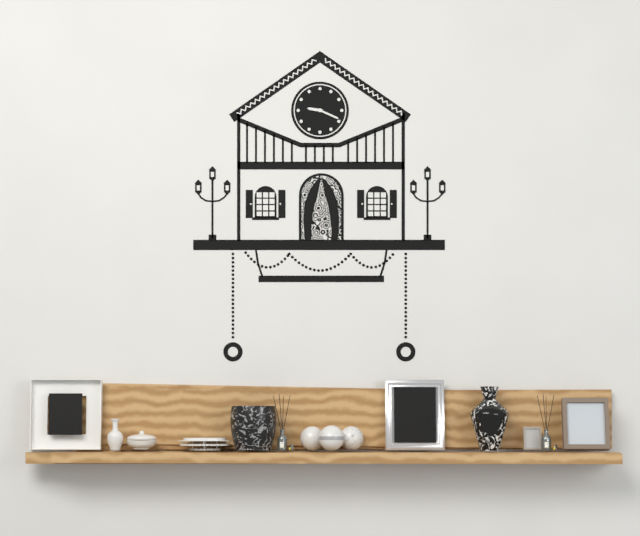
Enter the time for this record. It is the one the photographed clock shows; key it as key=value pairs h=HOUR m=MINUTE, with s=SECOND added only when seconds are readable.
h=9 m=19
